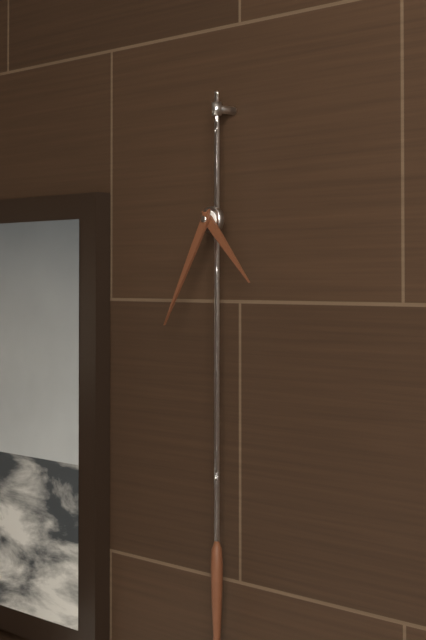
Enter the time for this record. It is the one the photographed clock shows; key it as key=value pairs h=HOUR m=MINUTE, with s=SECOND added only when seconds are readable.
h=4 m=35
